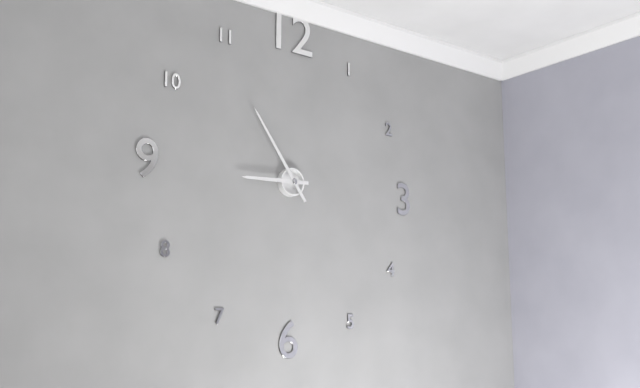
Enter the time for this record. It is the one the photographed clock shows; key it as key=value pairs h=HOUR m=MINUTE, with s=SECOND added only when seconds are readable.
h=8 m=54
